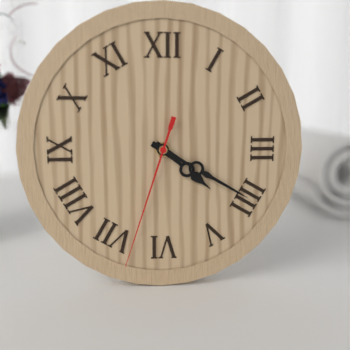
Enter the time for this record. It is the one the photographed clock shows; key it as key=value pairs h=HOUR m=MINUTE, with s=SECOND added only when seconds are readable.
h=4 m=20 s=33
